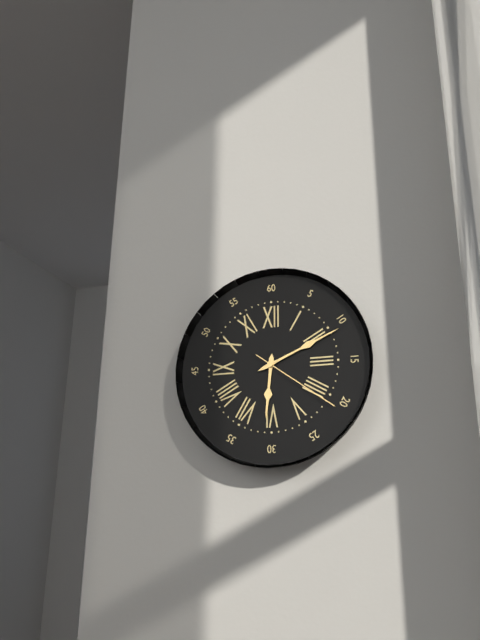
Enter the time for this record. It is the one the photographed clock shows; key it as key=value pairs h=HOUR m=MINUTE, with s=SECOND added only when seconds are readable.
h=6 m=11 s=21
